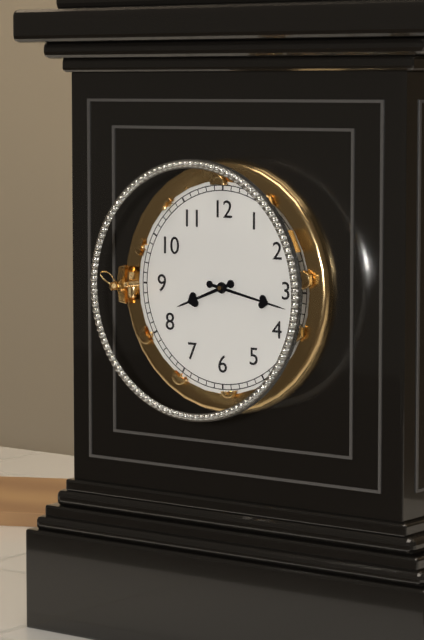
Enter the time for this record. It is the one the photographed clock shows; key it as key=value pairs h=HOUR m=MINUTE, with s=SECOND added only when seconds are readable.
h=8 m=17
